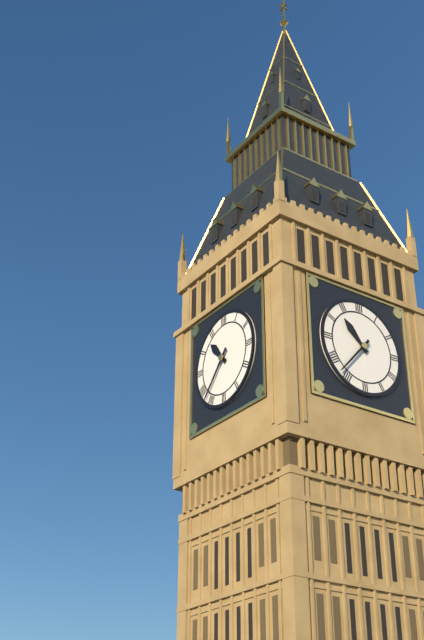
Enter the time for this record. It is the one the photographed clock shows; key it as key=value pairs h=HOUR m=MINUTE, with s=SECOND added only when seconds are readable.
h=10 m=37
